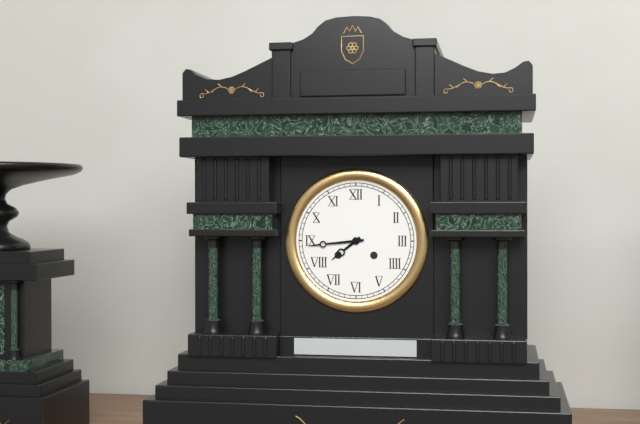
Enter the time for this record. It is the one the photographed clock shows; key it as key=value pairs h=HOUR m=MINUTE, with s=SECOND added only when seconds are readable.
h=7 m=44
